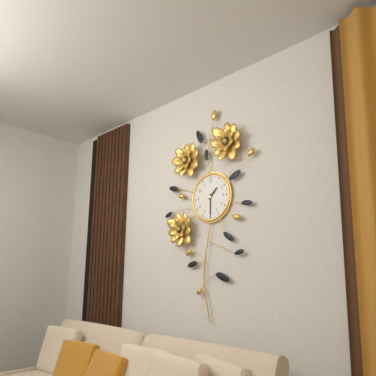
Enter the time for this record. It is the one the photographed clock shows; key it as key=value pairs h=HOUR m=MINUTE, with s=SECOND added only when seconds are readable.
h=1 m=30
